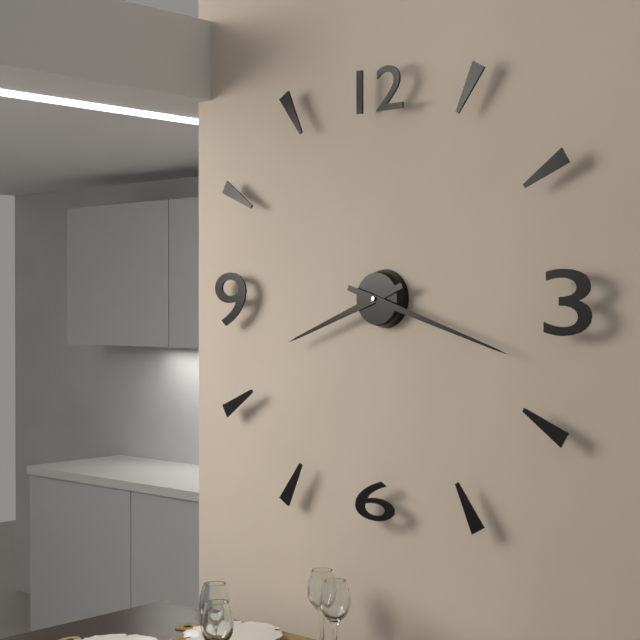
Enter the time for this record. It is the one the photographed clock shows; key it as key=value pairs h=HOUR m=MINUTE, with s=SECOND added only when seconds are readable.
h=8 m=18
